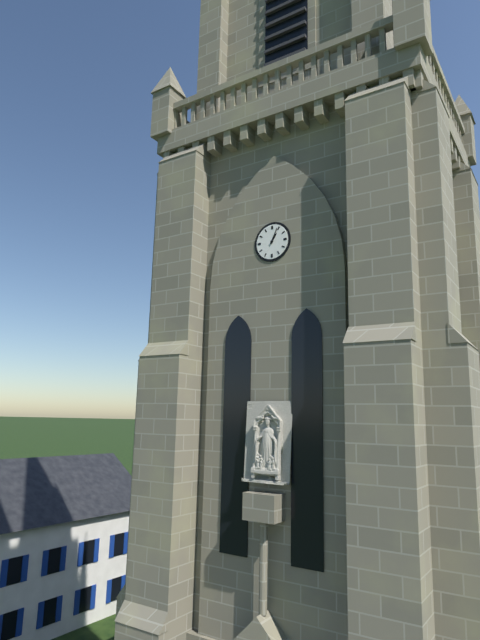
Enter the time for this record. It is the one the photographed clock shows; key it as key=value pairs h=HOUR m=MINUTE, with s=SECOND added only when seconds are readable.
h=1 m=4
